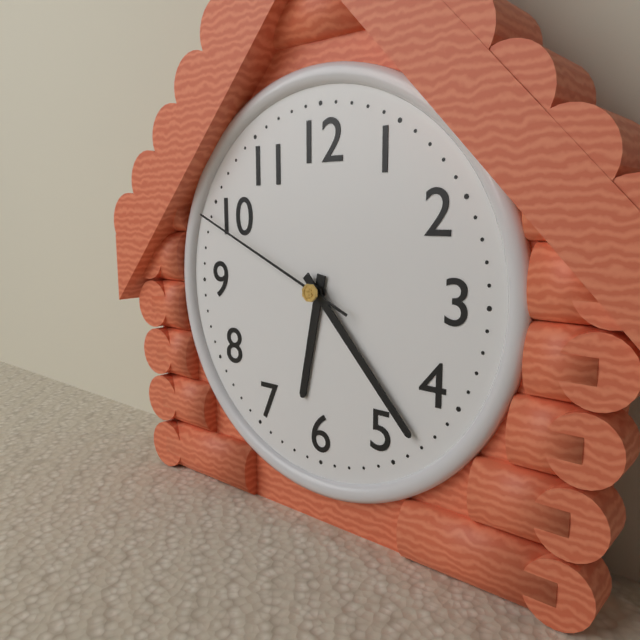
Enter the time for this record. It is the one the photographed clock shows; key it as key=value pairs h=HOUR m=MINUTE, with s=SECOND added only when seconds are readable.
h=6 m=23 s=49
